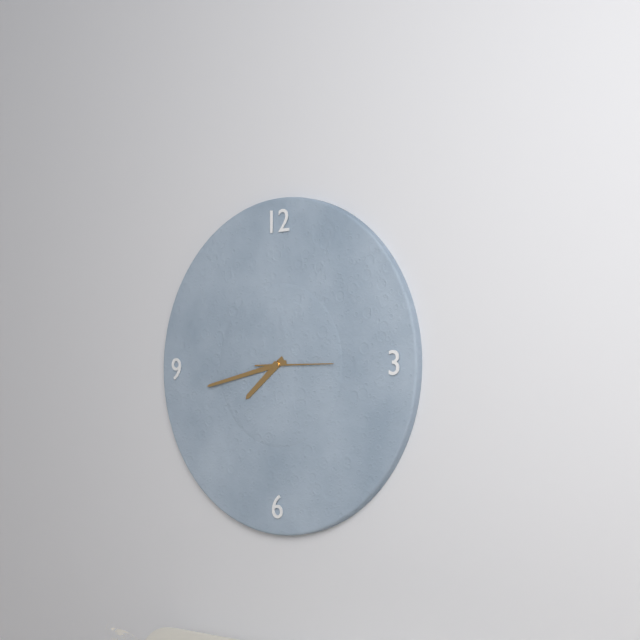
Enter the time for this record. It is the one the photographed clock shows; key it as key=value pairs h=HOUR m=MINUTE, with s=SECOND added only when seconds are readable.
h=7 m=43 s=15
